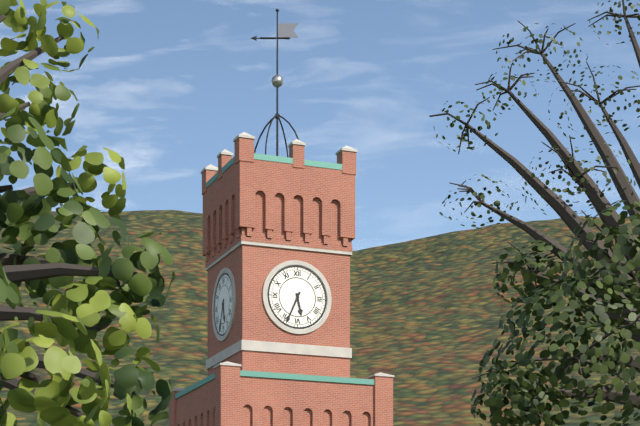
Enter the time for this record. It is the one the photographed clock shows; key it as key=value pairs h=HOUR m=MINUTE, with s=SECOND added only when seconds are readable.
h=5 m=34
